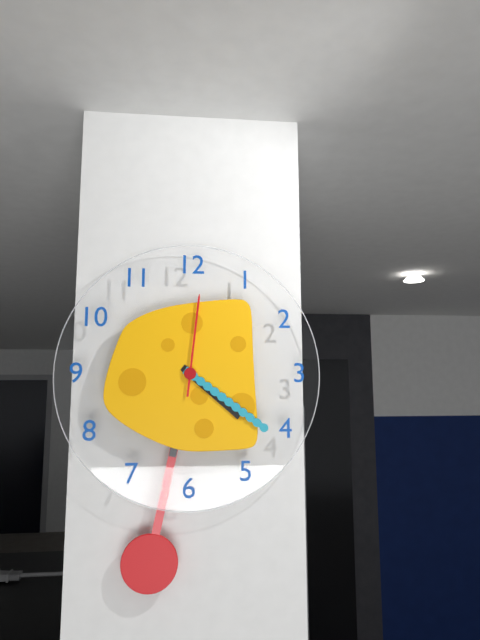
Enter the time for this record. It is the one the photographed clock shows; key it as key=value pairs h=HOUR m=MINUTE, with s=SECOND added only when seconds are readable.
h=4 m=21 s=1
